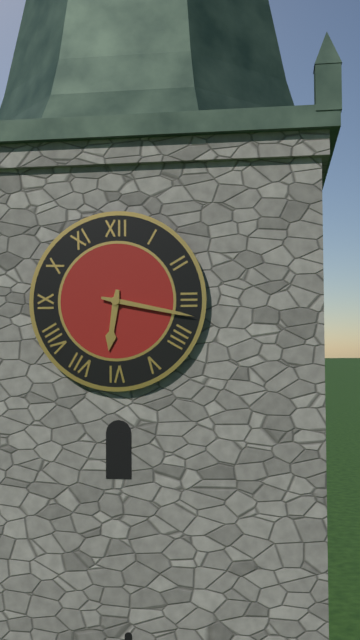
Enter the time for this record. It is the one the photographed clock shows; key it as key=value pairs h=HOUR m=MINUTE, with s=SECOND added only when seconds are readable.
h=6 m=17
